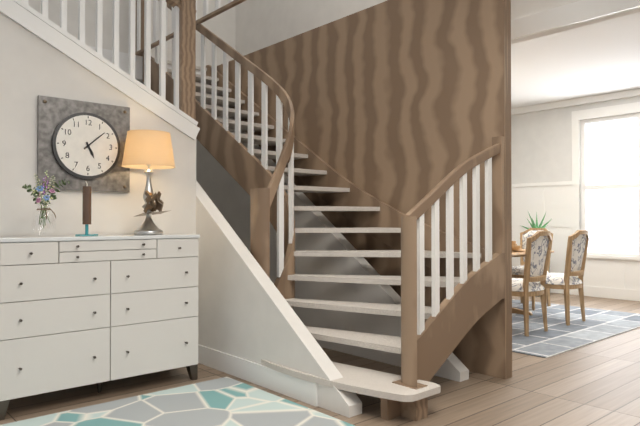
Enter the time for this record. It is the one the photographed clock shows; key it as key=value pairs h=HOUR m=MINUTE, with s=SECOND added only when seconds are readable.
h=5 m=8
